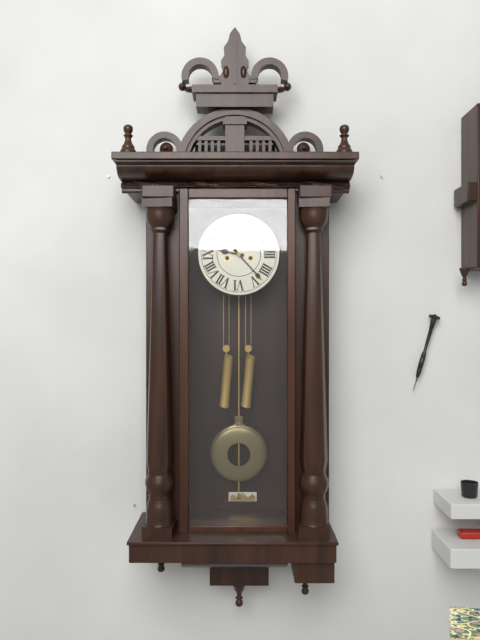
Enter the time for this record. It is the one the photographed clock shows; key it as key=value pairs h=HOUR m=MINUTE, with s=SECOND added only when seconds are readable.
h=9 m=23
